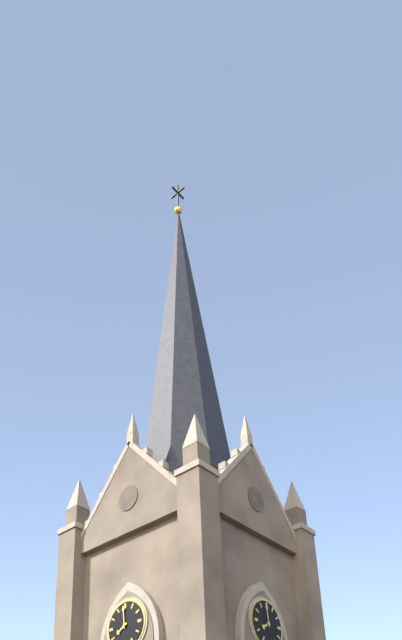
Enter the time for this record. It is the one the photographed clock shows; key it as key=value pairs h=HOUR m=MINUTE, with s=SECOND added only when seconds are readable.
h=7 m=59
